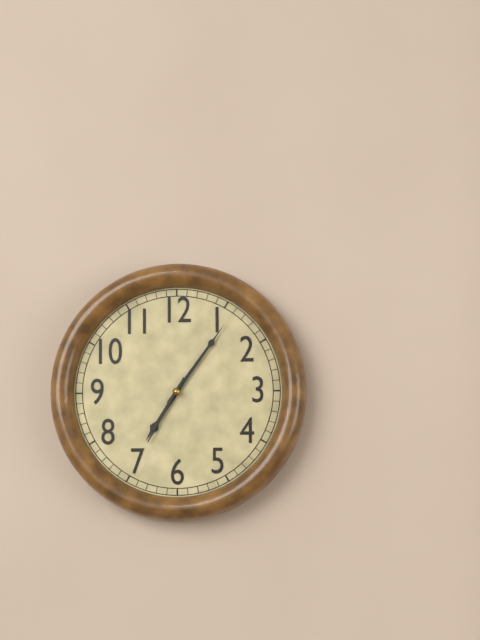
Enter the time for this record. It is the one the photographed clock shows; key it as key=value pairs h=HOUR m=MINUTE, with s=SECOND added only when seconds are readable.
h=7 m=6 s=35
